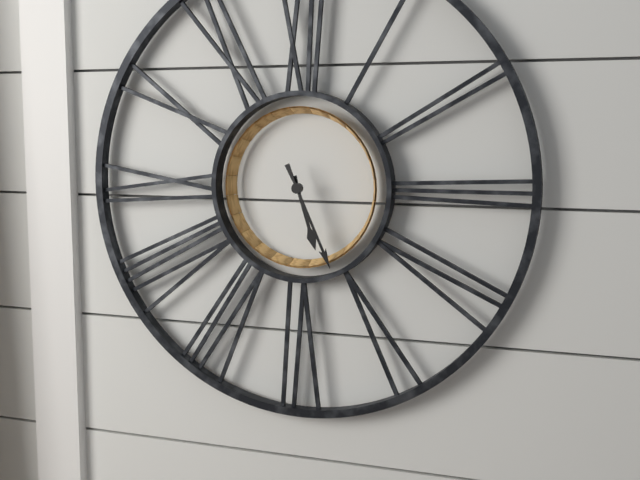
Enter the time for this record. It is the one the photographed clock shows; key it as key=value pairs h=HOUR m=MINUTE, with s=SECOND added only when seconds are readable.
h=5 m=26
